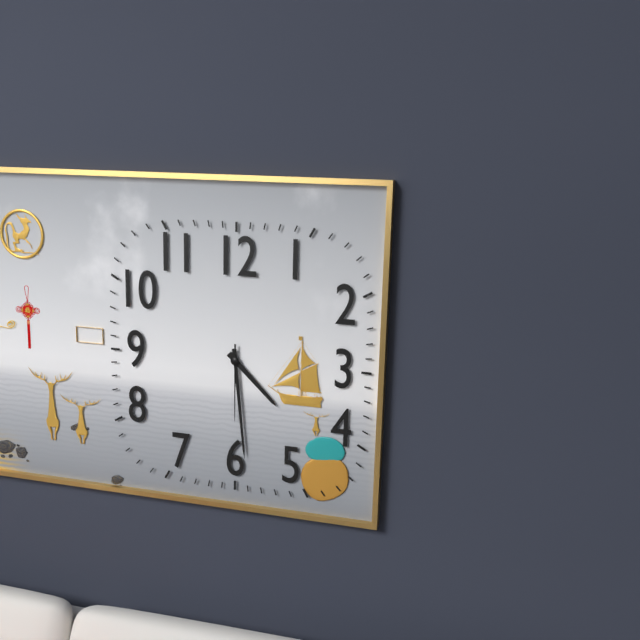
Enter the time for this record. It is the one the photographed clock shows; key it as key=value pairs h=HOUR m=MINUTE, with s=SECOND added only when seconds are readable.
h=4 m=29 s=30
